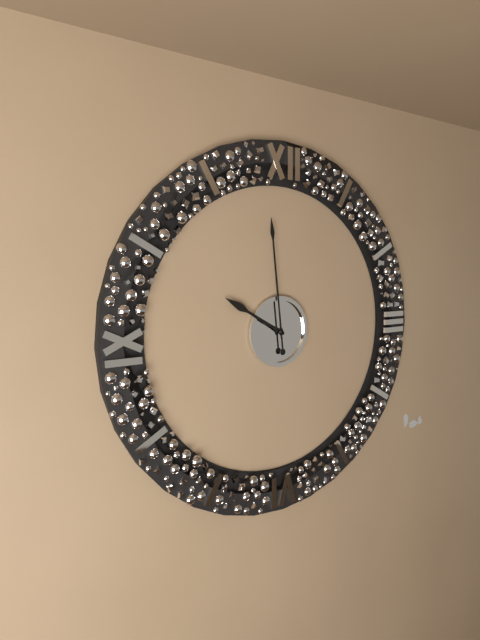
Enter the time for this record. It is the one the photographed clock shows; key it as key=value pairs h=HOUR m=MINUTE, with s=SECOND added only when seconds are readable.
h=9 m=59
